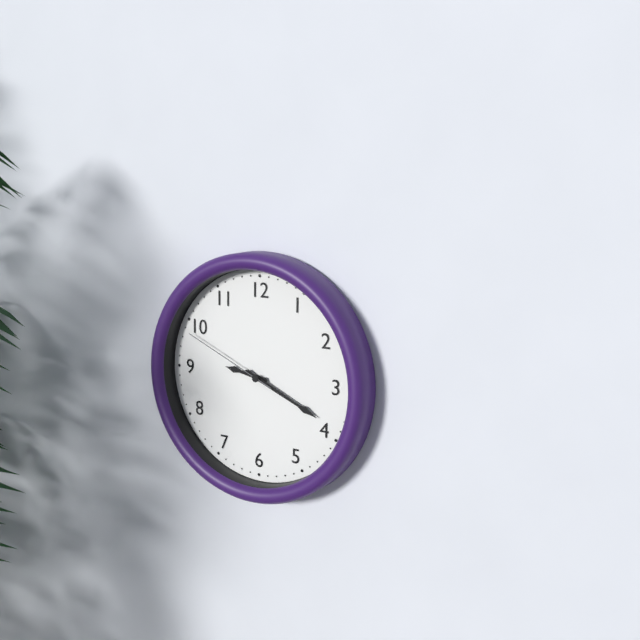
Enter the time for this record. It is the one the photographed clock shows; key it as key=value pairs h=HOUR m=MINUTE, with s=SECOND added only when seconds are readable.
h=9 m=19 s=49
